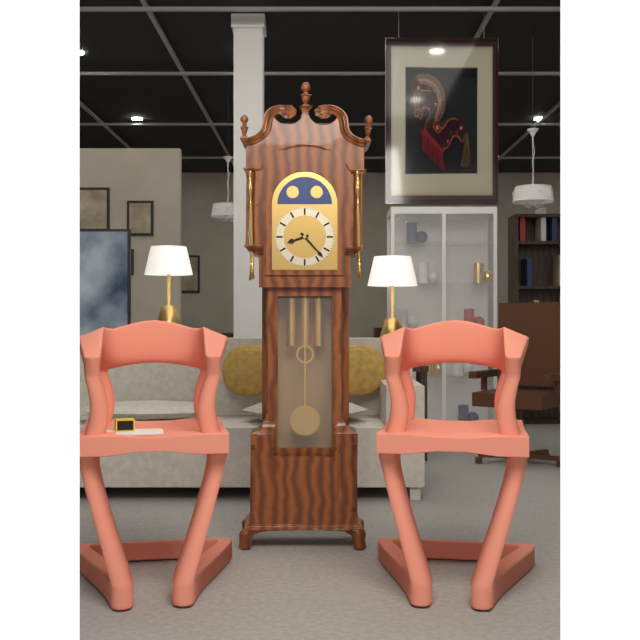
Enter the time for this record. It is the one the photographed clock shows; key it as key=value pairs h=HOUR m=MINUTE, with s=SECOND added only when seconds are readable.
h=8 m=23
